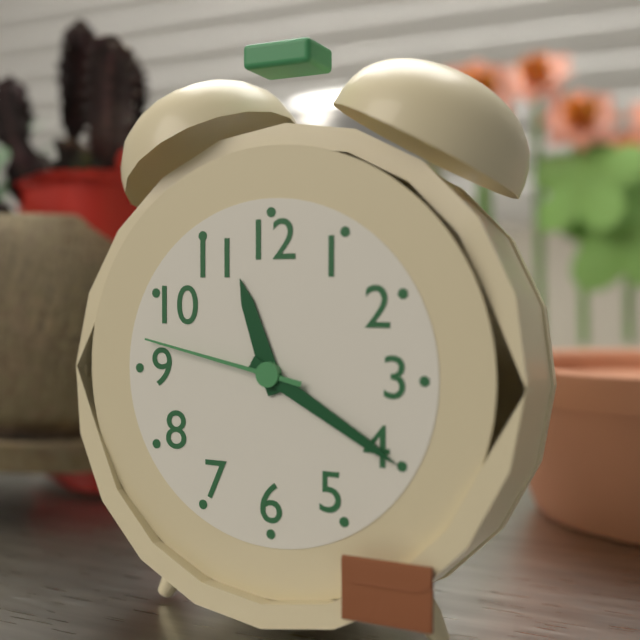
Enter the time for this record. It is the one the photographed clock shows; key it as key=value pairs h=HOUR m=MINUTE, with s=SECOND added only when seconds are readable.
h=11 m=20 s=47
